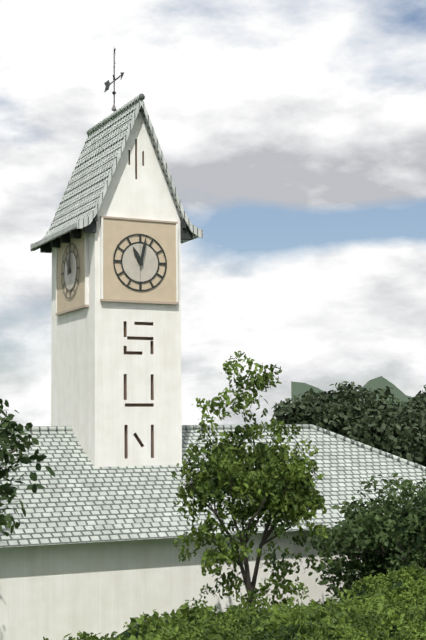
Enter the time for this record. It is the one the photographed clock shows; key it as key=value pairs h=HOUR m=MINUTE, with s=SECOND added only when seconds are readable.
h=11 m=2
